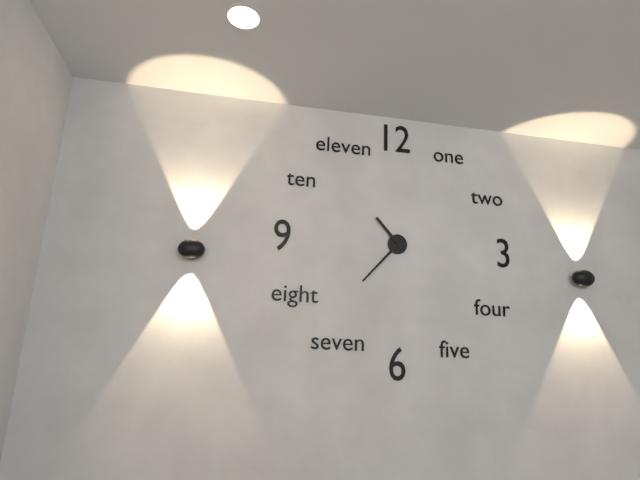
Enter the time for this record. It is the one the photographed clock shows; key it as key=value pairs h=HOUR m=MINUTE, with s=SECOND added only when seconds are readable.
h=10 m=37
